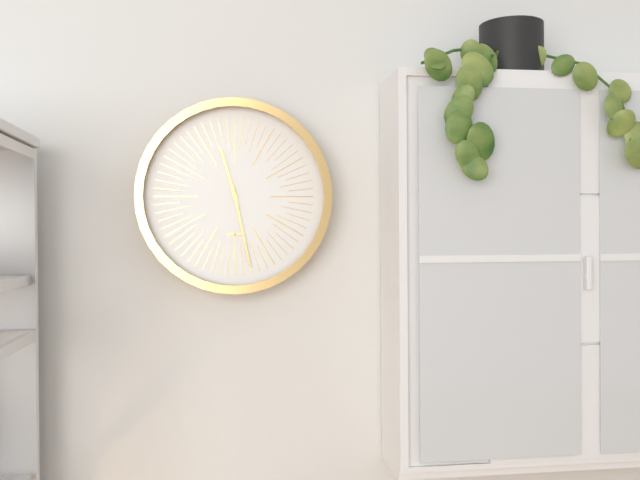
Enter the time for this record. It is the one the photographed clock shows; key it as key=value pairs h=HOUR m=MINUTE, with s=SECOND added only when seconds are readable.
h=11 m=28
